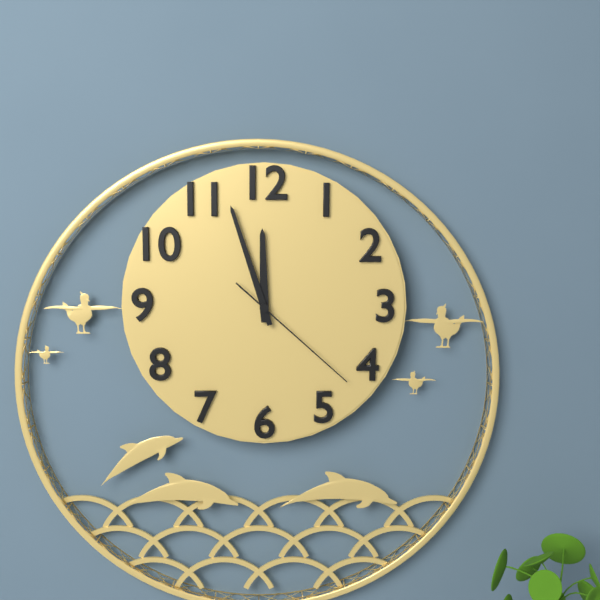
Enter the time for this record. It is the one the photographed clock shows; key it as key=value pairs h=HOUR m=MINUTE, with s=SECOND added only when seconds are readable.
h=11 m=57 s=22
